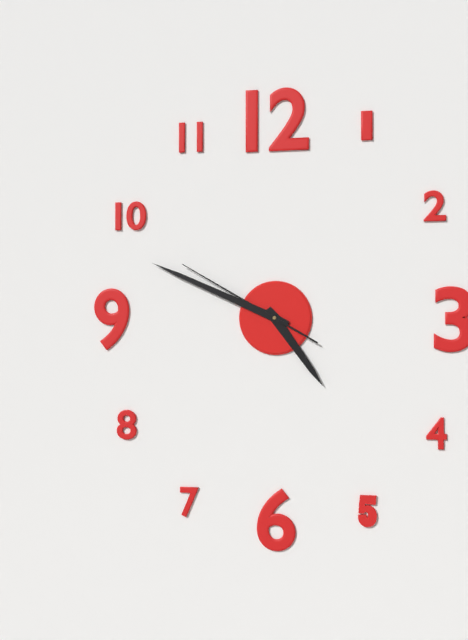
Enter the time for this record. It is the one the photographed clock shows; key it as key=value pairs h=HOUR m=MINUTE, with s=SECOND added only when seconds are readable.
h=4 m=49 s=50
